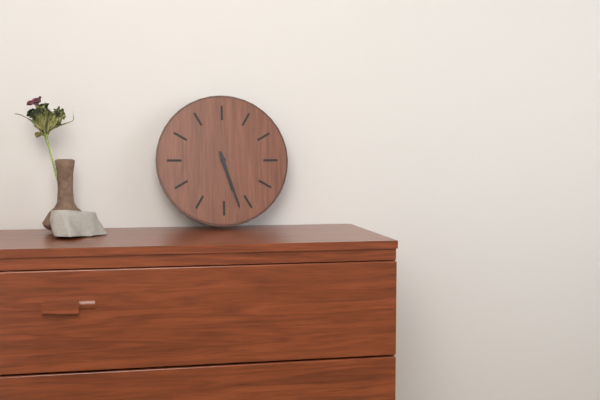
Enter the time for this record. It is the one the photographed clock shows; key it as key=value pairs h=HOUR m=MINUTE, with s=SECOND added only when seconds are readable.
h=5 m=27
